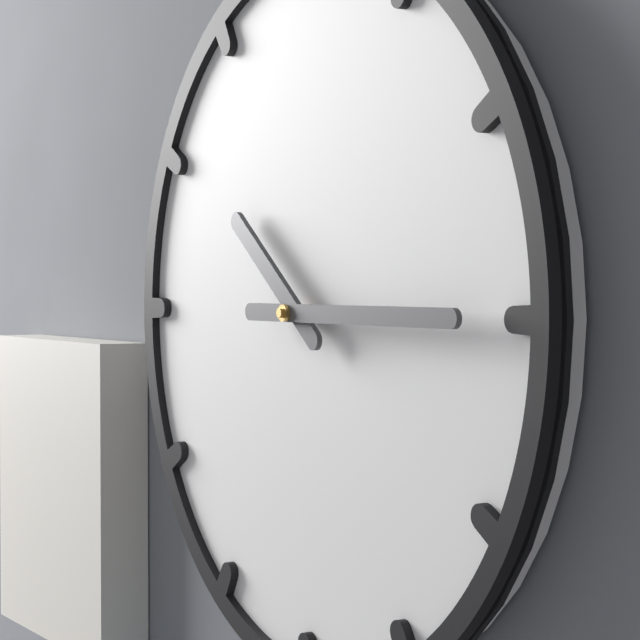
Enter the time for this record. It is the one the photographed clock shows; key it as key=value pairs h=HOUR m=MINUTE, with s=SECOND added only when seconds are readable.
h=10 m=15
